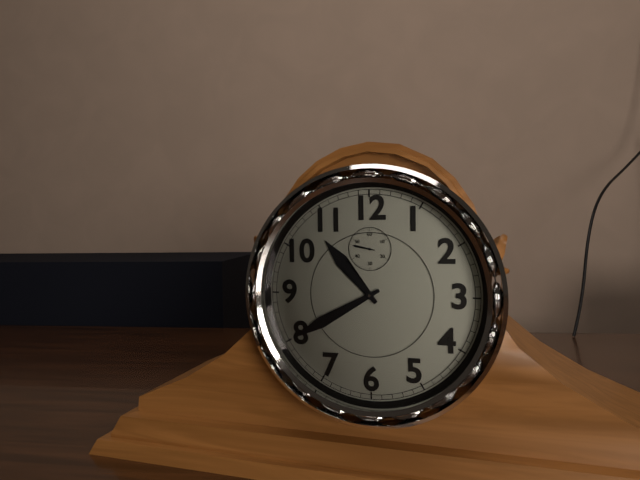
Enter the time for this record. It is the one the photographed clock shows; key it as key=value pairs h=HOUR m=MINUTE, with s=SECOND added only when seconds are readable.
h=10 m=40
